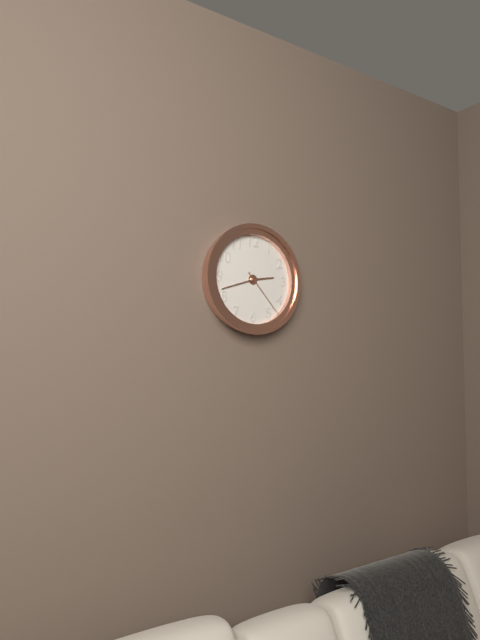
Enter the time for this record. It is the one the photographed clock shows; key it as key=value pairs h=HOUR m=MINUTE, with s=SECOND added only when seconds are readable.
h=2 m=42 s=23
